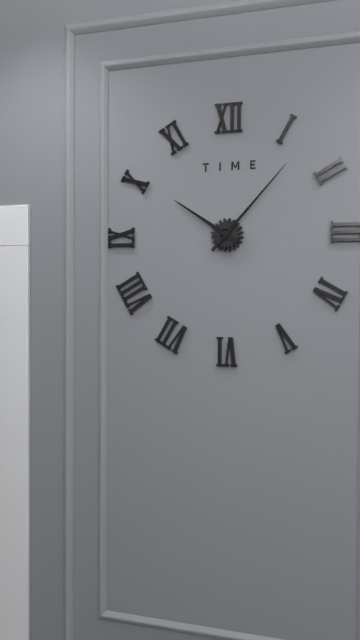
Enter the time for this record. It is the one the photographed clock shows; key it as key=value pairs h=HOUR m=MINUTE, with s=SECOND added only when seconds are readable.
h=10 m=7
